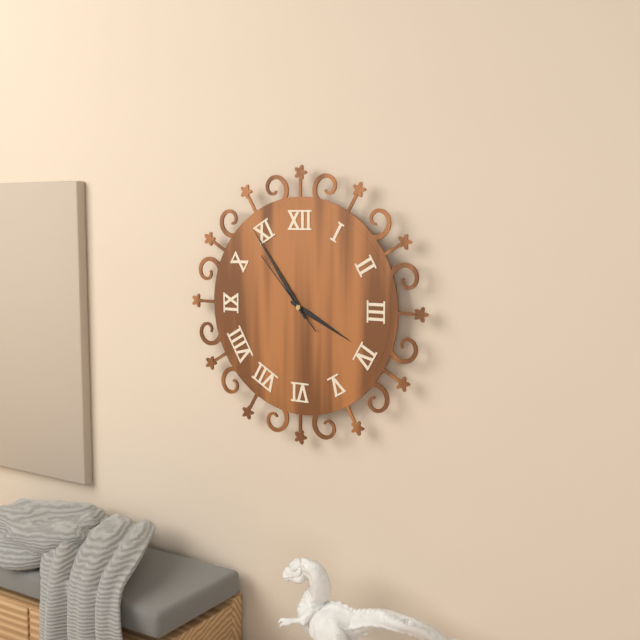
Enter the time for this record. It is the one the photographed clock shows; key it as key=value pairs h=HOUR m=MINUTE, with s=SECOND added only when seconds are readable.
h=3 m=54 s=53
